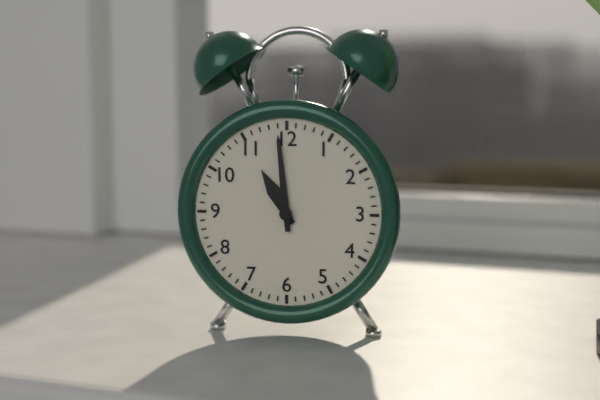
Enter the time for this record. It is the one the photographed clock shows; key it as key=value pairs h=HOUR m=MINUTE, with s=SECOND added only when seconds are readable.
h=10 m=59
